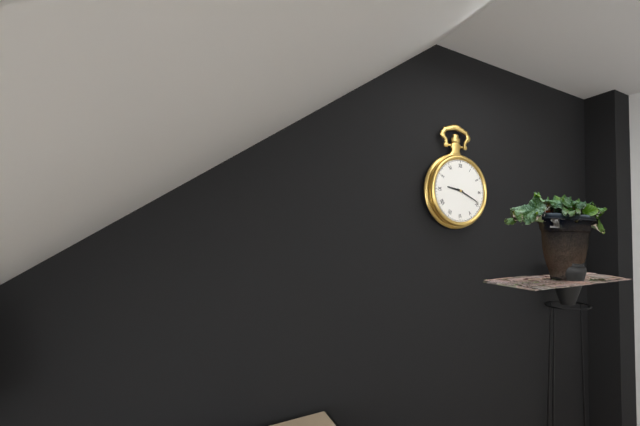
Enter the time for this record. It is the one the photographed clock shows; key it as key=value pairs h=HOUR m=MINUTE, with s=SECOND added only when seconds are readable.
h=9 m=19
